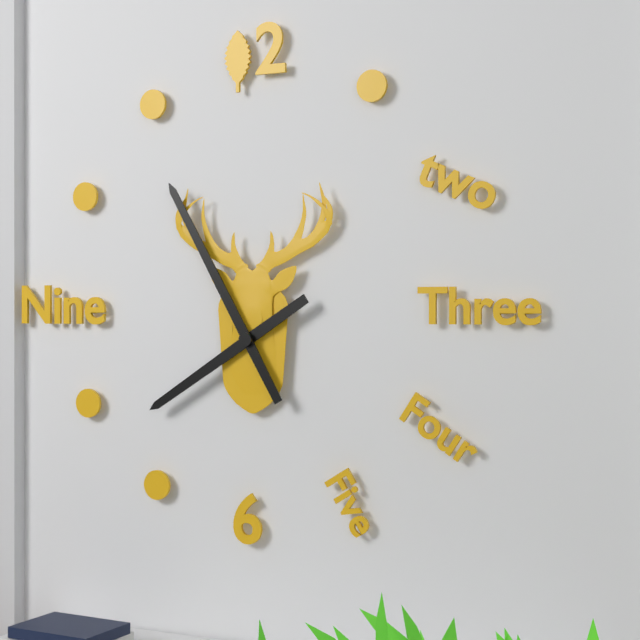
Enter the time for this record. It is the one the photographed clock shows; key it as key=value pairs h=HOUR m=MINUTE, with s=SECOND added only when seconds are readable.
h=7 m=55
